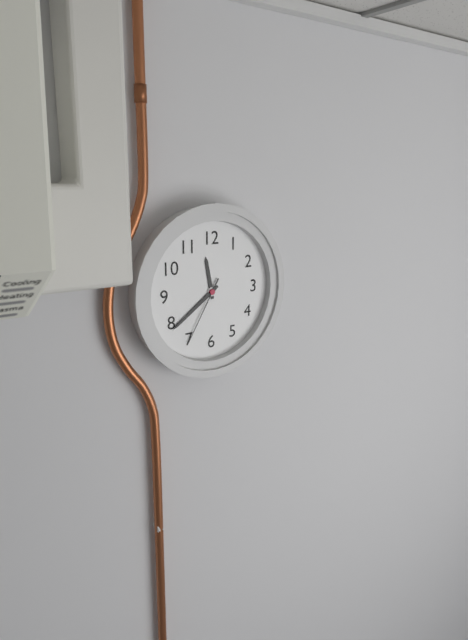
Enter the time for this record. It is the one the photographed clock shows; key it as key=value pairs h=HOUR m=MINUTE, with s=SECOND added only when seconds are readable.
h=11 m=39 s=35
